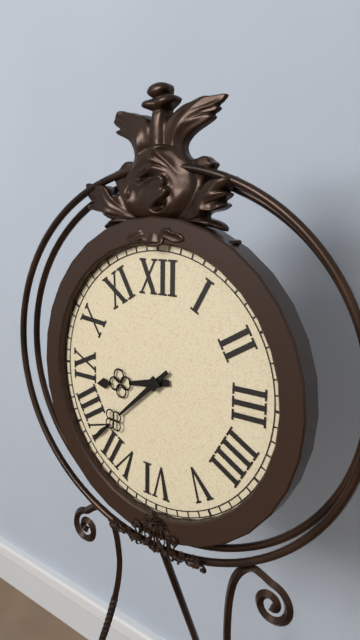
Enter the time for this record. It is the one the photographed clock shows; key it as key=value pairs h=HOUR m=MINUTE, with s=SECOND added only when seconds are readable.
h=8 m=38
